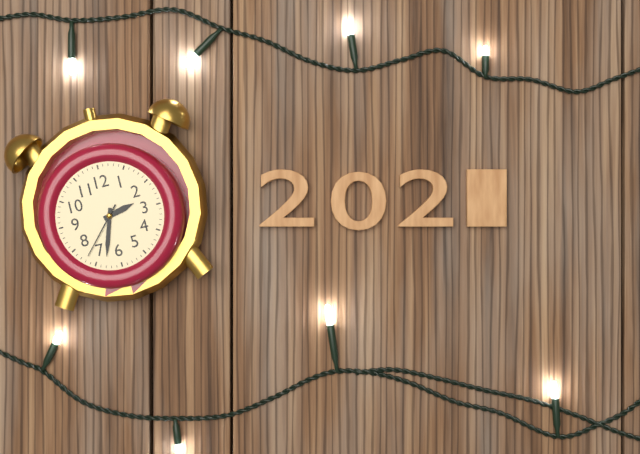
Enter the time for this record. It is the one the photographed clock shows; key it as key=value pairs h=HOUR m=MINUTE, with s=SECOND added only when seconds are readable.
h=2 m=33 s=37
